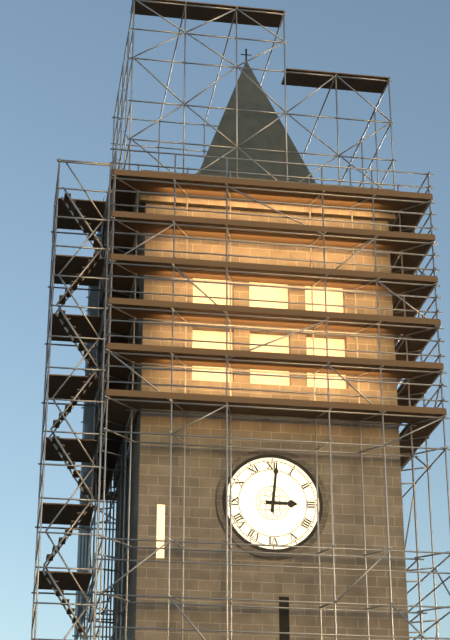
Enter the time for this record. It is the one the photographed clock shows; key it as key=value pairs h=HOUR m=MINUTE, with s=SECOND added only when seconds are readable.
h=3 m=1
